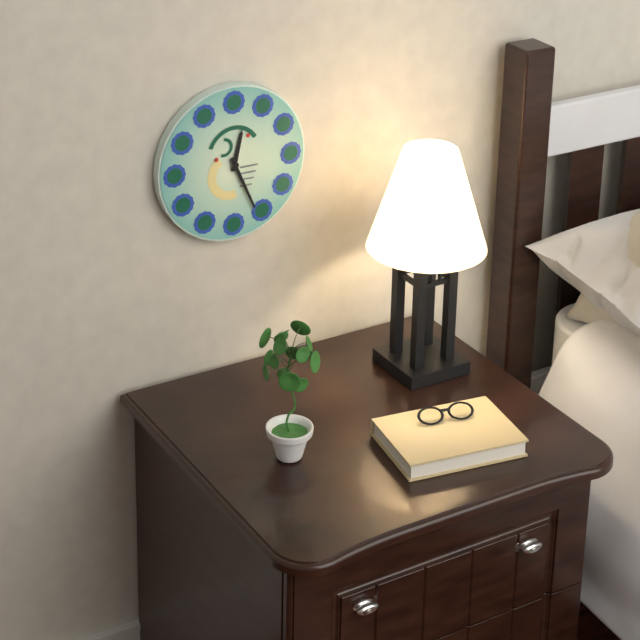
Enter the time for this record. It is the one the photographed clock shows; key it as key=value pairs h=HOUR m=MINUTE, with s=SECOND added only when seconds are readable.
h=12 m=26
